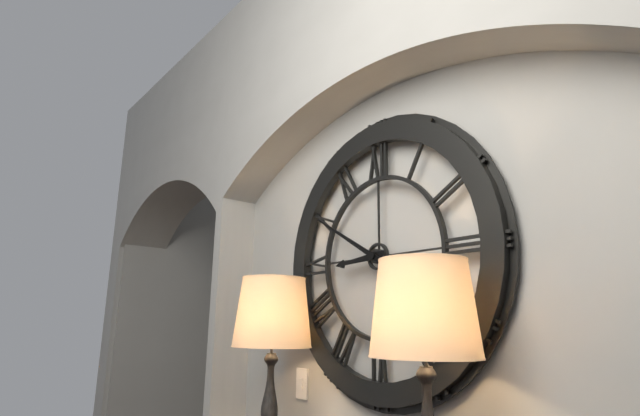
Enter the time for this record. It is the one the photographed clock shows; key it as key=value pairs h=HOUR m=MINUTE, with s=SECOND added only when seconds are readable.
h=8 m=50
